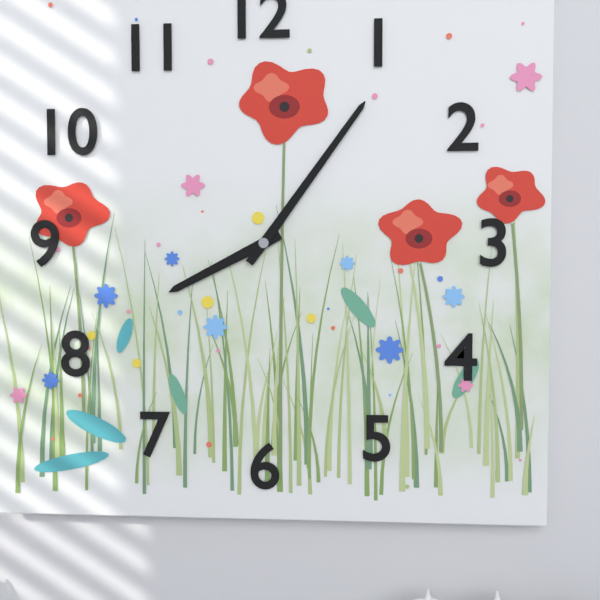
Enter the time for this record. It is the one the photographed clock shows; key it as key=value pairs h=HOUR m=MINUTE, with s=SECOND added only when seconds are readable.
h=8 m=6
